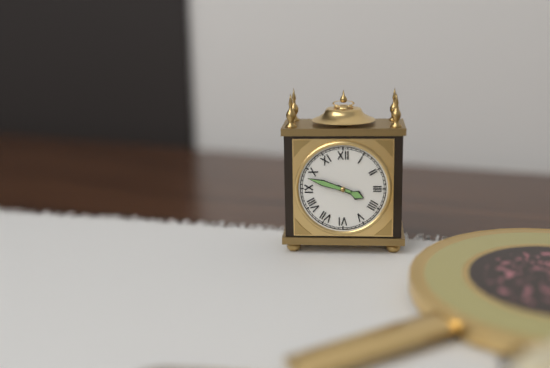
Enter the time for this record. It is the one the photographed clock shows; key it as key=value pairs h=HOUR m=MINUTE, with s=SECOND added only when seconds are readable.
h=3 m=48
